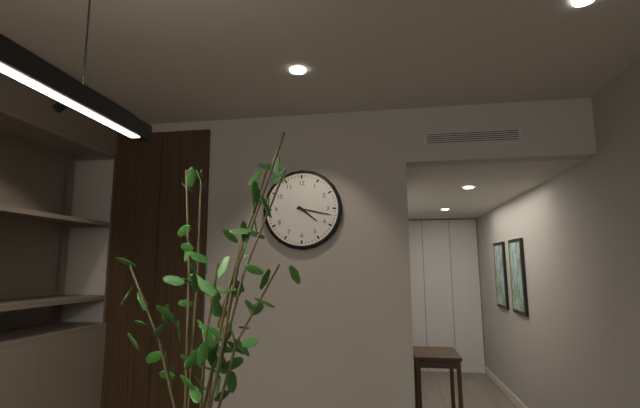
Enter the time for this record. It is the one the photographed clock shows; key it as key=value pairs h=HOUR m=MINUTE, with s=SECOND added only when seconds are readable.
h=4 m=17
